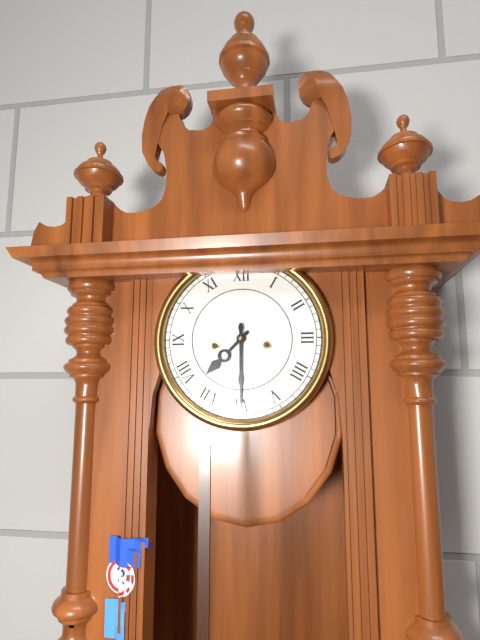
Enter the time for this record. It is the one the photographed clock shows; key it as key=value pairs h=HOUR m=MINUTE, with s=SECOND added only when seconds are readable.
h=7 m=30
